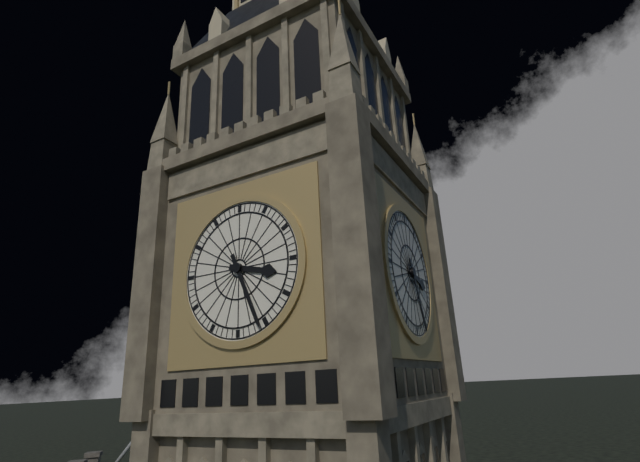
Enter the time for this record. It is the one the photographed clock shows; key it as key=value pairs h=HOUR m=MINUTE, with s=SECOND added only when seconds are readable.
h=3 m=26
